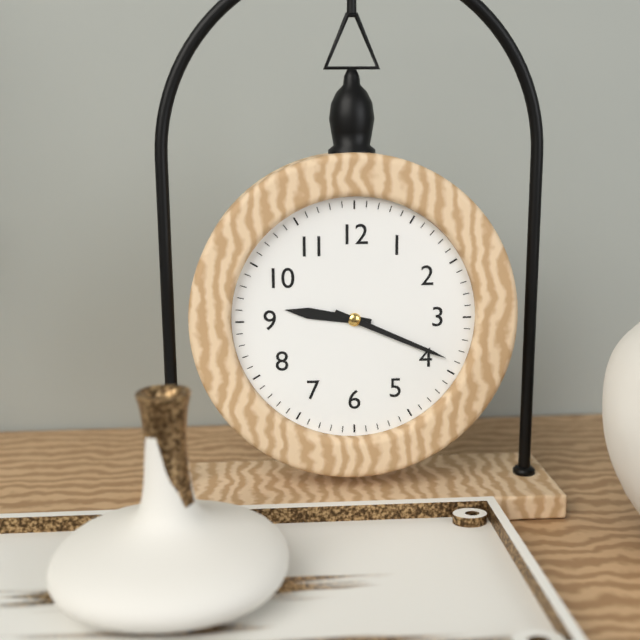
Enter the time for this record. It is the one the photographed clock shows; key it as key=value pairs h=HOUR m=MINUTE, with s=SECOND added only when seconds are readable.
h=9 m=19
